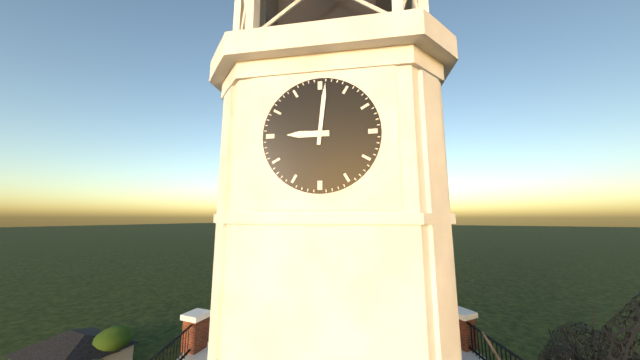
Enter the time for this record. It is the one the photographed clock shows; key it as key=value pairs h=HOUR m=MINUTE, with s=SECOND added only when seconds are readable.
h=9 m=1
